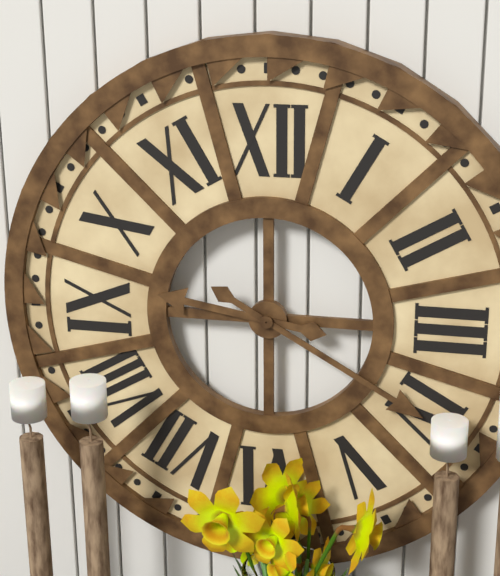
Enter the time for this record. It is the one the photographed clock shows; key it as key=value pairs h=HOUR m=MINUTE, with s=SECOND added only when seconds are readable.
h=9 m=20
